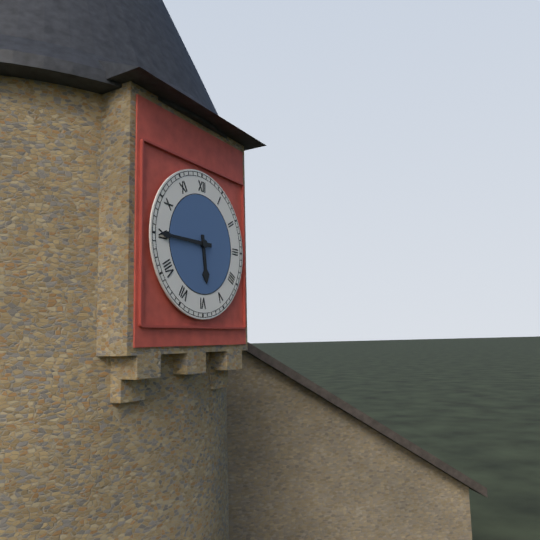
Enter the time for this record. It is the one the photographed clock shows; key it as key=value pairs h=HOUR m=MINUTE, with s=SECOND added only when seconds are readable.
h=5 m=45
